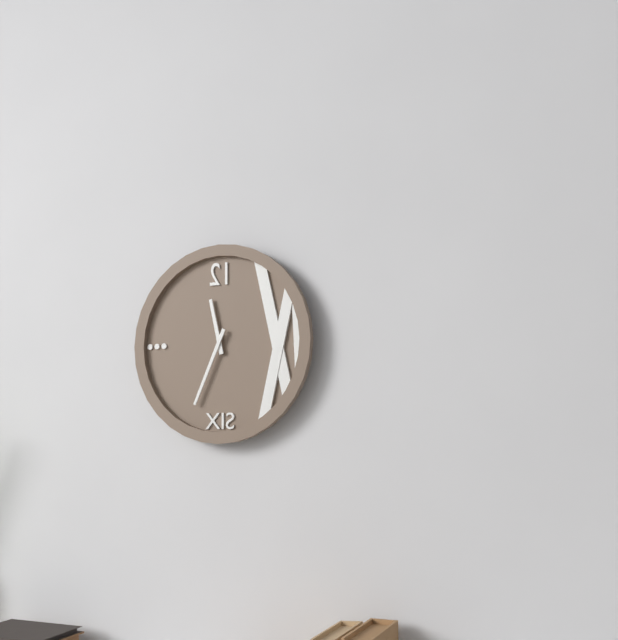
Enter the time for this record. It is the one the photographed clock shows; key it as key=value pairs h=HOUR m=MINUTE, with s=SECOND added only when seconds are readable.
h=11 m=34
